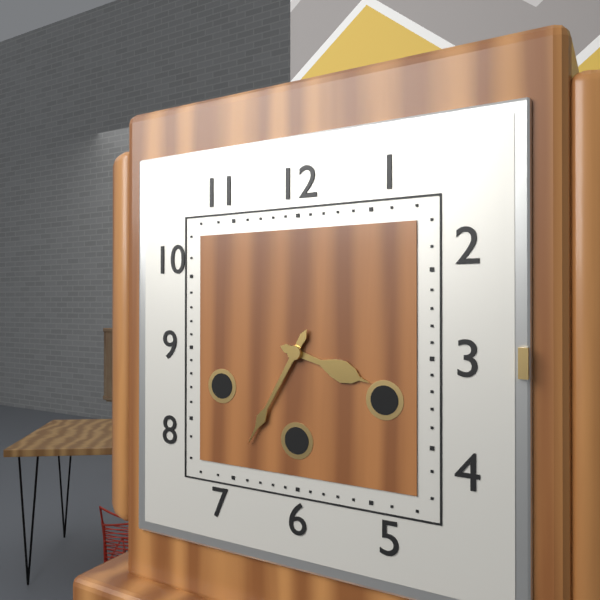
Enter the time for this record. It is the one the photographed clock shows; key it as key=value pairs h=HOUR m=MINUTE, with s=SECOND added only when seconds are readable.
h=3 m=35
